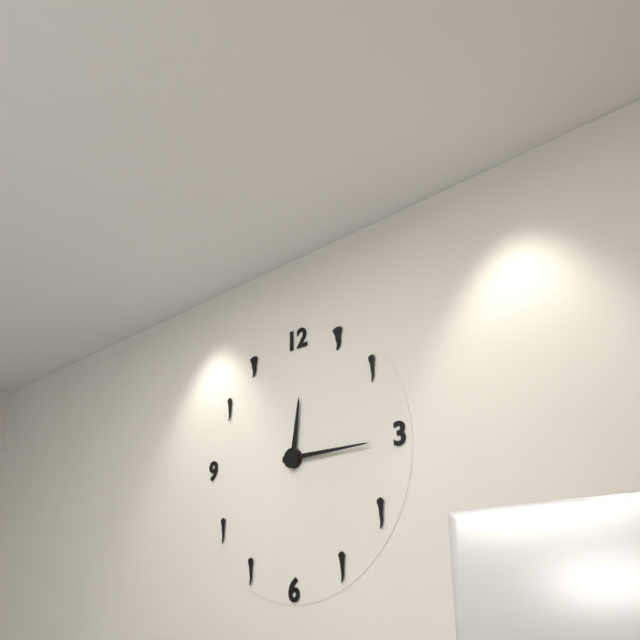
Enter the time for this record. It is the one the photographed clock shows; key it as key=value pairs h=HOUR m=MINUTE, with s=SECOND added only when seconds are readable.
h=12 m=15
